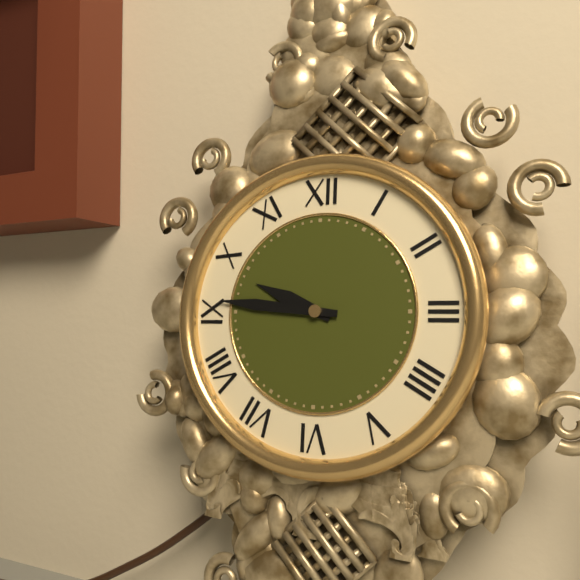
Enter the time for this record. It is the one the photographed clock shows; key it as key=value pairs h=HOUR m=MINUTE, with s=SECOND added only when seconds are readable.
h=9 m=46
